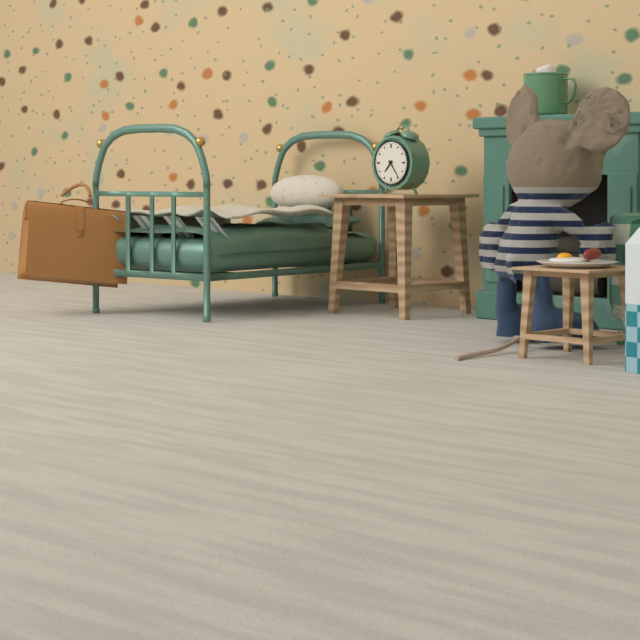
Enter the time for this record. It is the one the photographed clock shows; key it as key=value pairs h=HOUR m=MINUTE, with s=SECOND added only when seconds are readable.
h=7 m=24
